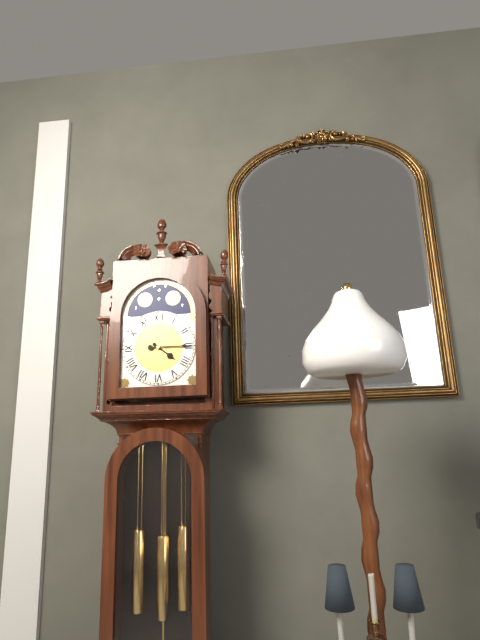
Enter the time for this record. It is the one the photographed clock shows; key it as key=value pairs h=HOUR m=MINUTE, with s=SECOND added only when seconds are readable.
h=4 m=15
